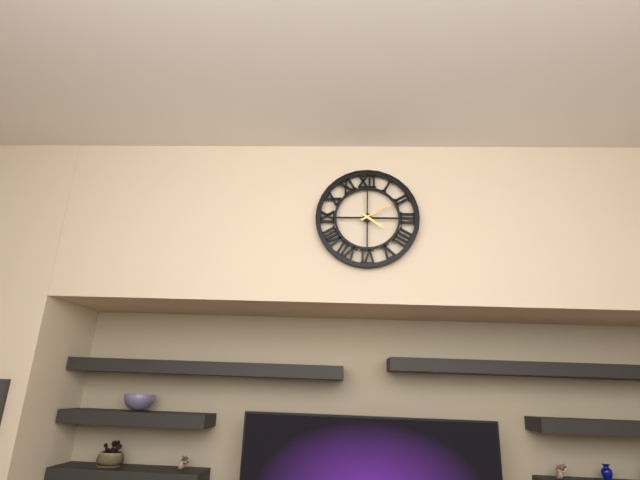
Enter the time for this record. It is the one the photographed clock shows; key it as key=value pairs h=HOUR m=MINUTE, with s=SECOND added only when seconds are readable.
h=4 m=10
